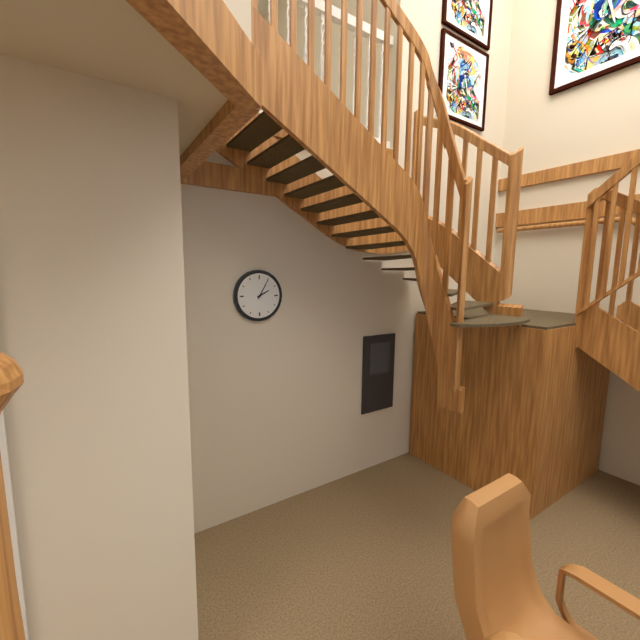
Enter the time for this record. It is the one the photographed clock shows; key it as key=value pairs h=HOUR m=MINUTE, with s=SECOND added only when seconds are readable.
h=2 m=5
